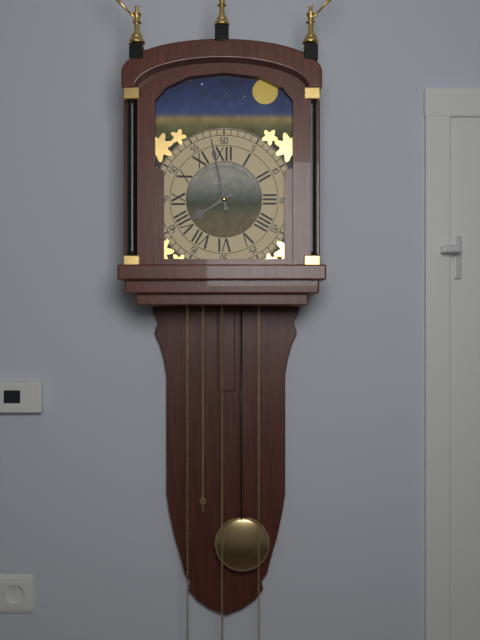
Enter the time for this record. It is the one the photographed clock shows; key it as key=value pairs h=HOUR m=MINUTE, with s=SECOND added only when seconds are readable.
h=7 m=58
